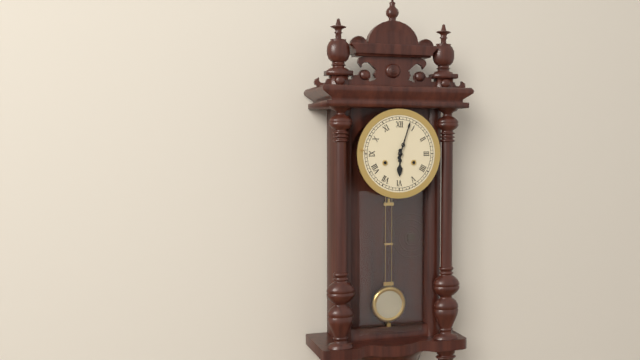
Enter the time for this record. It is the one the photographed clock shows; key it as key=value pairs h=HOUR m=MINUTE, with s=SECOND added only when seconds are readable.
h=6 m=3
